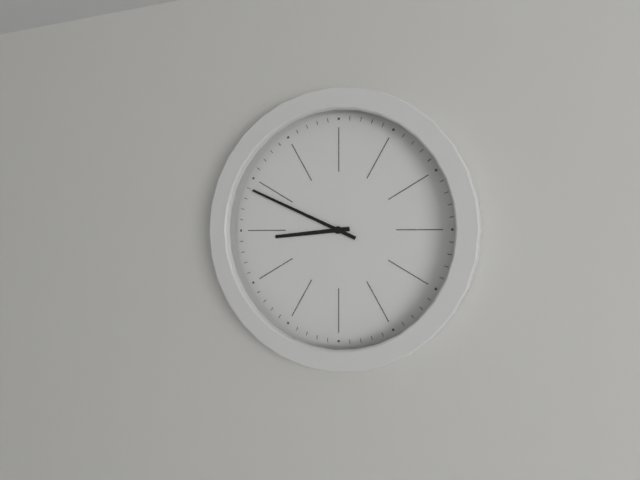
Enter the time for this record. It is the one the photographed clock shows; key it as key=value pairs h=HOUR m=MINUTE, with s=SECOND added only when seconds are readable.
h=8 m=49
